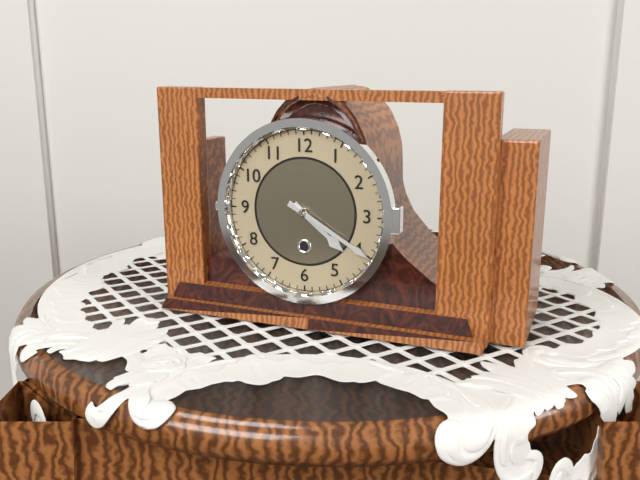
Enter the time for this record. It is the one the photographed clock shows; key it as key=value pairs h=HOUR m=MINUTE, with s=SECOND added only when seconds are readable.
h=4 m=20
